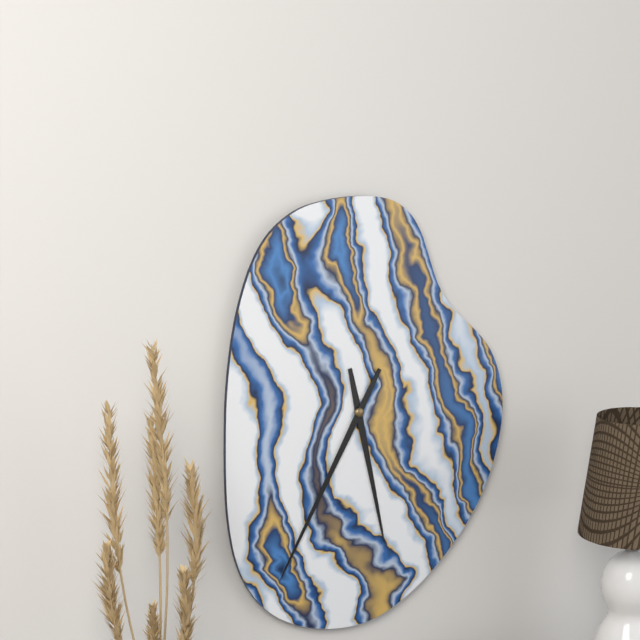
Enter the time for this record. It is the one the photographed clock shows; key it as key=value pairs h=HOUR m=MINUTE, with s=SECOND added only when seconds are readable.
h=5 m=35
